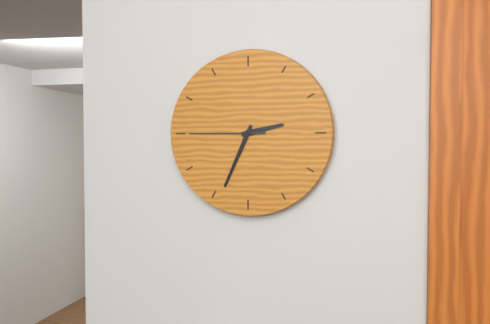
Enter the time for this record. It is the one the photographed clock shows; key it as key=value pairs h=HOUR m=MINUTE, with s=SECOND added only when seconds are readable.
h=2 m=34 s=45
